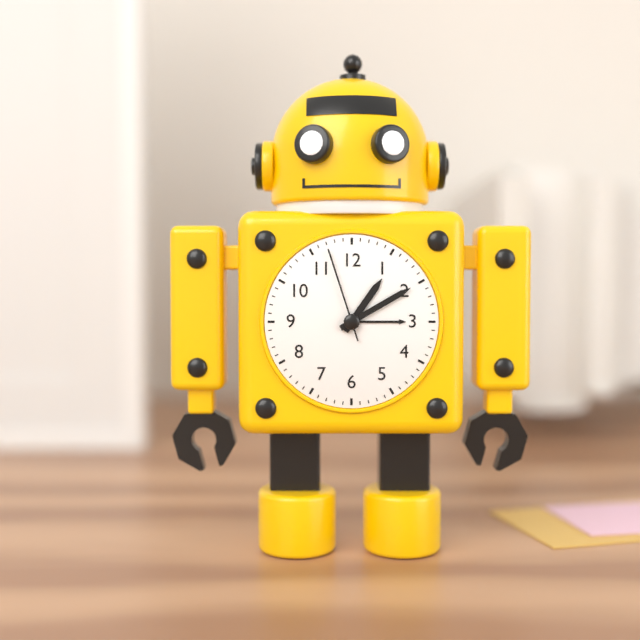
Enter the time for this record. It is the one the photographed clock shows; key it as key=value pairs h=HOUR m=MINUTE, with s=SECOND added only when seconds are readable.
h=1 m=10 s=57
